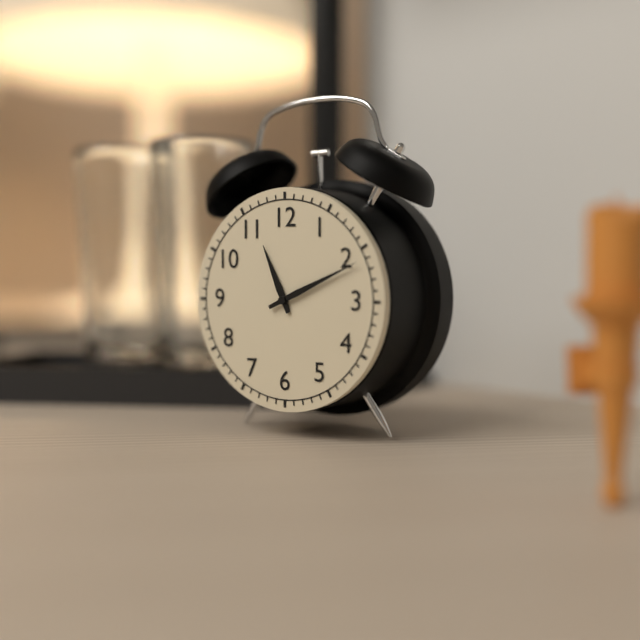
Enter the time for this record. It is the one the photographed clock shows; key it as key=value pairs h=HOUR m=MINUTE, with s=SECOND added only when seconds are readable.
h=11 m=11
